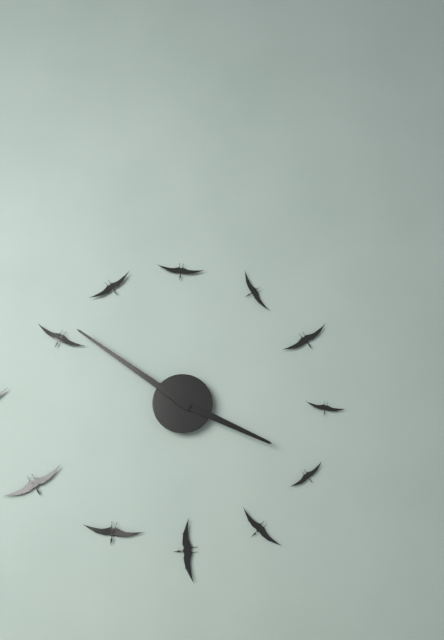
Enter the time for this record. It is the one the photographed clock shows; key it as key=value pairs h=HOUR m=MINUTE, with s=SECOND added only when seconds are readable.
h=3 m=51
